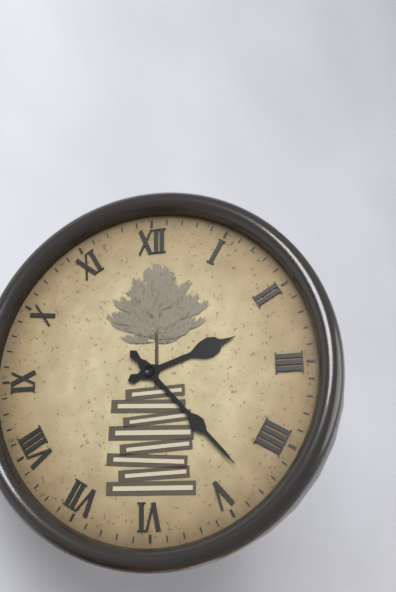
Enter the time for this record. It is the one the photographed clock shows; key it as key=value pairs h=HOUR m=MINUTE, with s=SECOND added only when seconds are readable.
h=2 m=23
